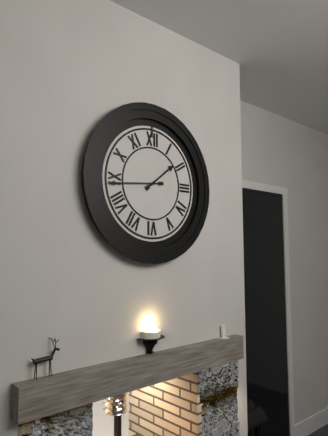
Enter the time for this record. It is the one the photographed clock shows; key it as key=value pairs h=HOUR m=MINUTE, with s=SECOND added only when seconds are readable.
h=1 m=44
